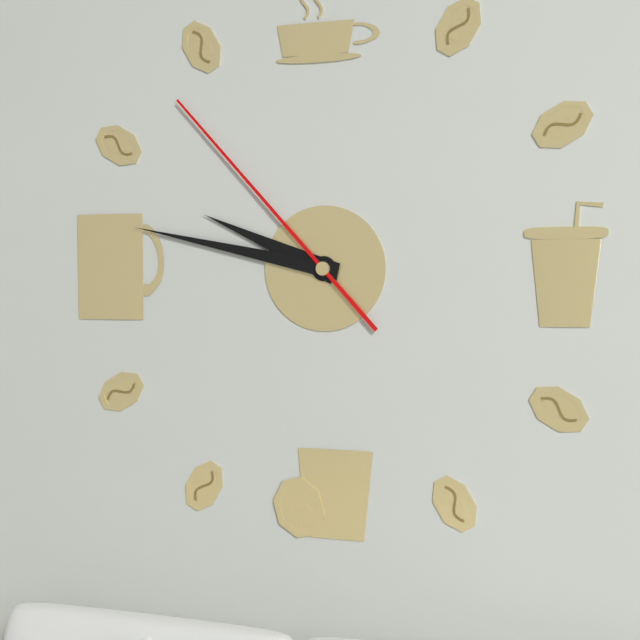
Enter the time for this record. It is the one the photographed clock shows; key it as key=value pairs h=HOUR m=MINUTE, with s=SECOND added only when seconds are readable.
h=9 m=47 s=53
